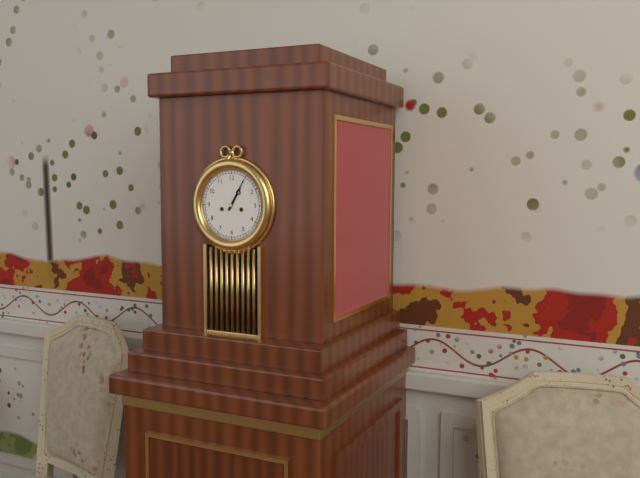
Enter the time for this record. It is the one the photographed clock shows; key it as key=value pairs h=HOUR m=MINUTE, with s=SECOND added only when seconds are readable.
h=1 m=5
